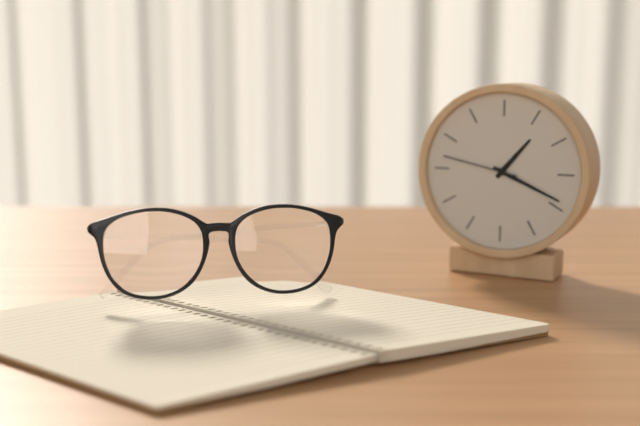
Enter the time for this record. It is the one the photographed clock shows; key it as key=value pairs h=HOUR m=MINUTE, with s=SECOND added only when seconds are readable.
h=1 m=19 s=47
